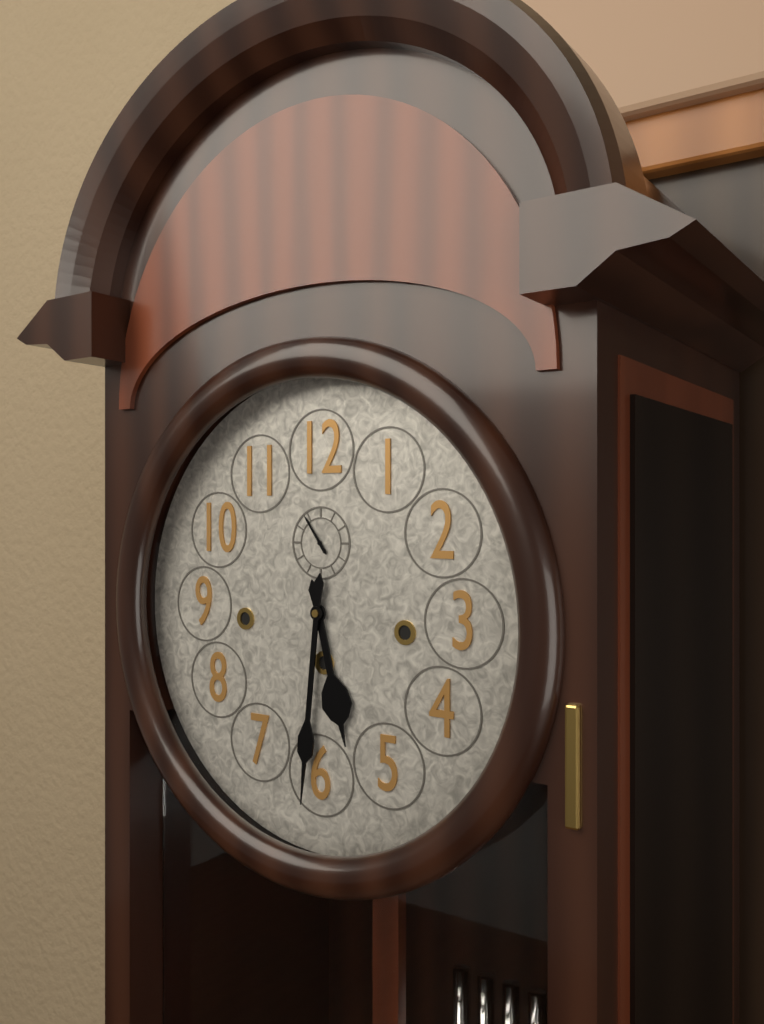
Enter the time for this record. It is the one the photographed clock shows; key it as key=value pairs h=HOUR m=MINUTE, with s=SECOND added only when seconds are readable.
h=5 m=31
